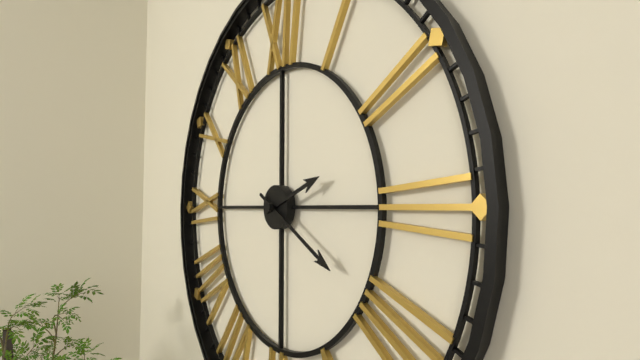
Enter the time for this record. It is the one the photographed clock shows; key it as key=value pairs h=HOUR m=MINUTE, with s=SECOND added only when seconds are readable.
h=2 m=20
